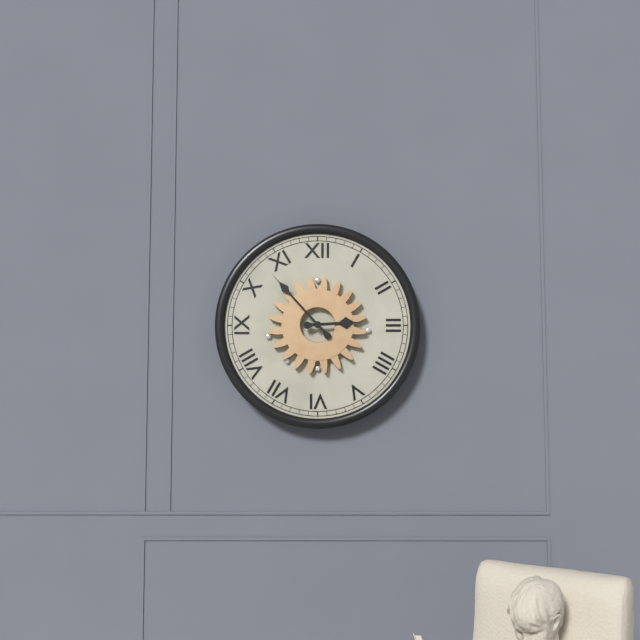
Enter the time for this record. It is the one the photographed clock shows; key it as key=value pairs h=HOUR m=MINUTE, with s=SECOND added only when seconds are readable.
h=2 m=53
